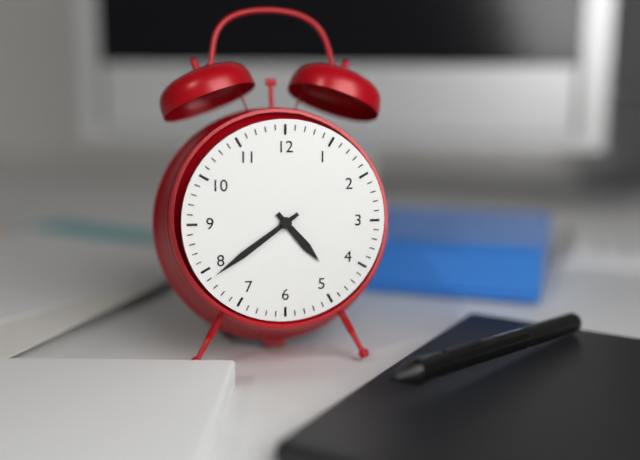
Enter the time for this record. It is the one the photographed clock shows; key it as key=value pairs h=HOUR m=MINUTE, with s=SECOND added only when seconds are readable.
h=4 m=39
